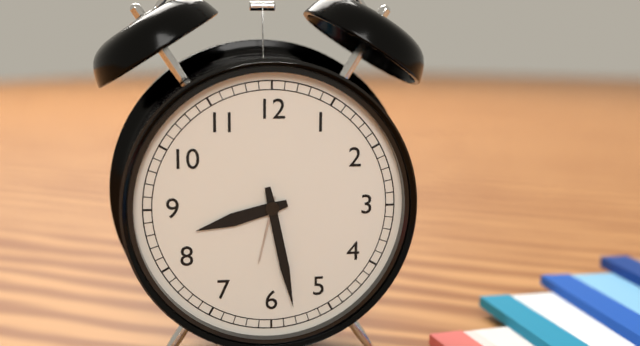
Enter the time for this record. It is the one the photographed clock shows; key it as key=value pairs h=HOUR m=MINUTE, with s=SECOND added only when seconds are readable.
h=8 m=28
